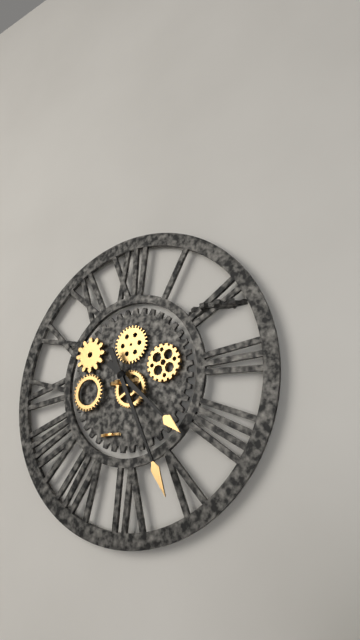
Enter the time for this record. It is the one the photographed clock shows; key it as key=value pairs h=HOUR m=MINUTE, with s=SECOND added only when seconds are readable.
h=4 m=26
